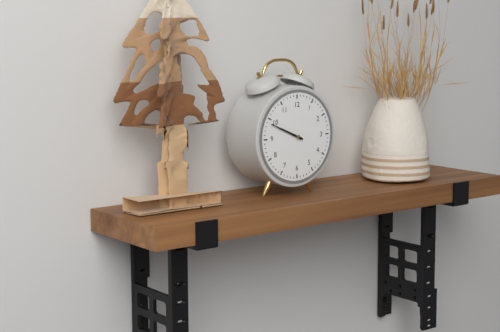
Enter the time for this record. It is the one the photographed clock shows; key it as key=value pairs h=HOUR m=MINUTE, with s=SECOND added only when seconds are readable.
h=9 m=49
